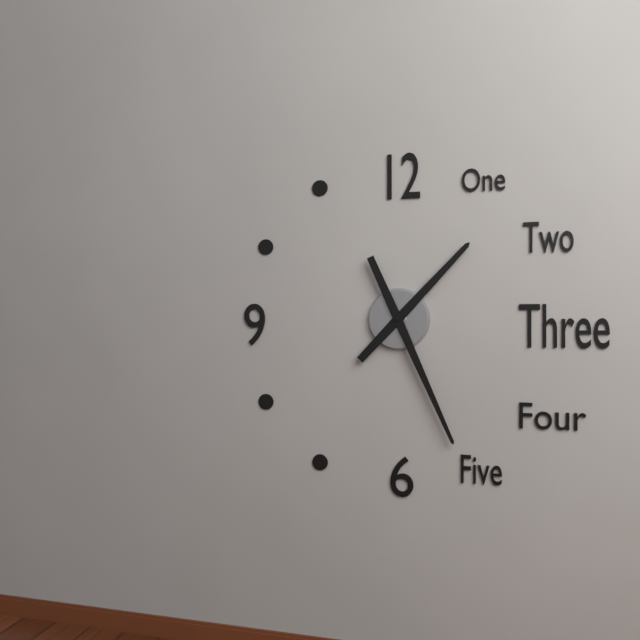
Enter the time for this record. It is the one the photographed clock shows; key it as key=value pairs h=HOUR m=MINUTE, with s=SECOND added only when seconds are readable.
h=1 m=26
